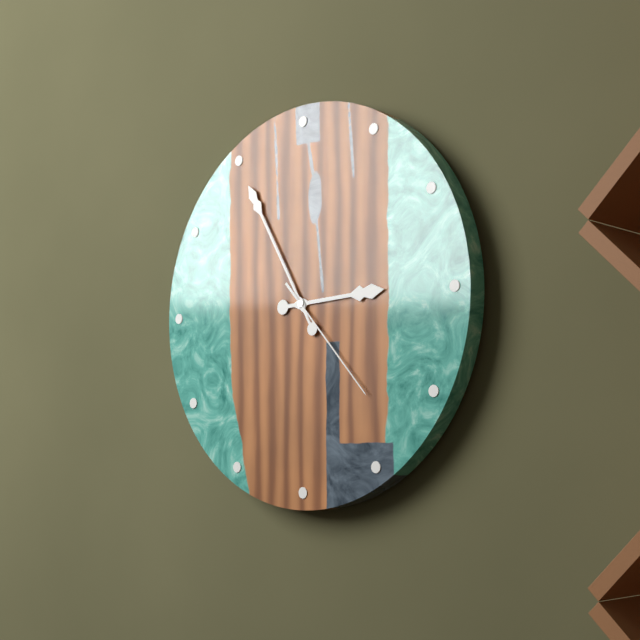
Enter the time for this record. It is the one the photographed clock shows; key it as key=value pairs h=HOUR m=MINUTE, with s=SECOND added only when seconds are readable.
h=2 m=55 s=23
